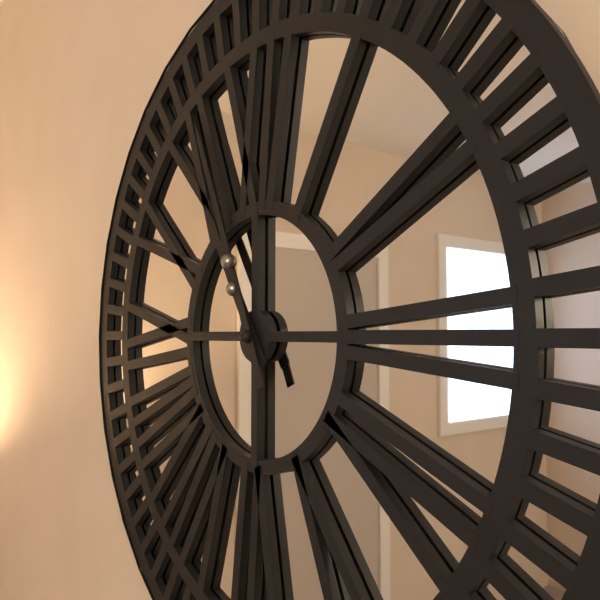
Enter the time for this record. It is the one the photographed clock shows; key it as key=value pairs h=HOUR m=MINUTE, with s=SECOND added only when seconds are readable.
h=10 m=56
